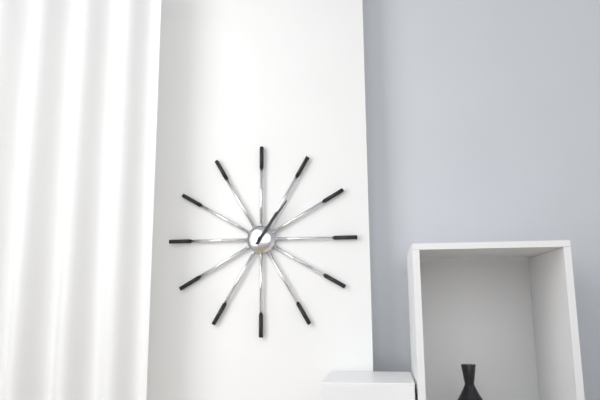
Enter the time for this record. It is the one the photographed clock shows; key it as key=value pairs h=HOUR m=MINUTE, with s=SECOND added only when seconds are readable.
h=1 m=6
